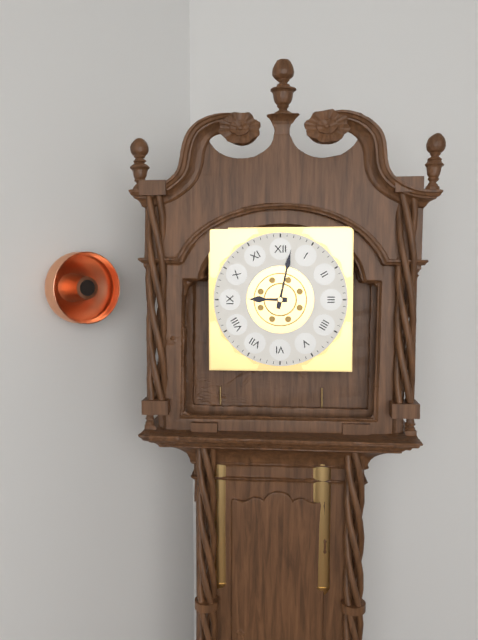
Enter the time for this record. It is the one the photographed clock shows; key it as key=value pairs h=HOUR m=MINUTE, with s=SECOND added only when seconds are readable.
h=9 m=2
